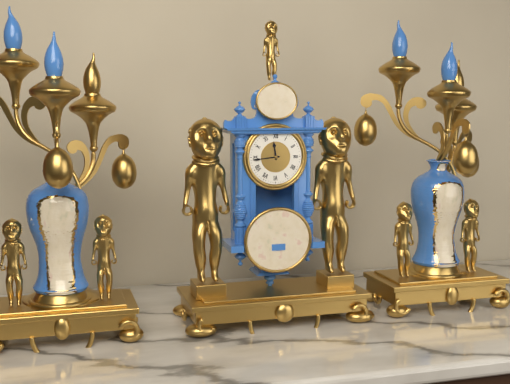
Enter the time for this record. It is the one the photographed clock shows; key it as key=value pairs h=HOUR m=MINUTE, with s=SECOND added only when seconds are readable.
h=11 m=44
